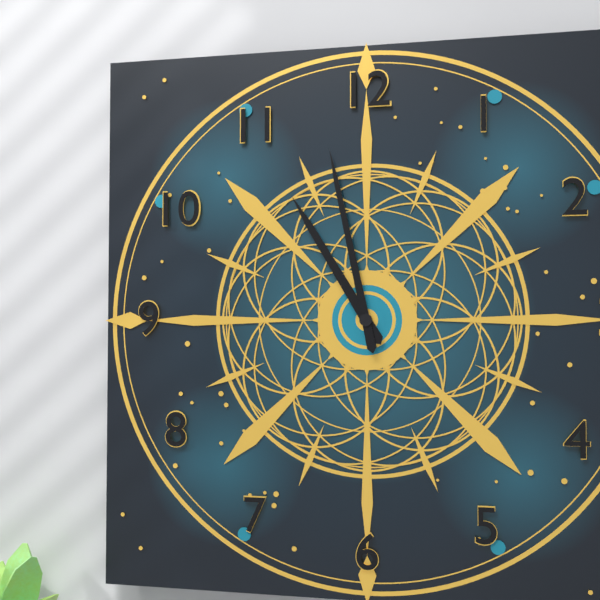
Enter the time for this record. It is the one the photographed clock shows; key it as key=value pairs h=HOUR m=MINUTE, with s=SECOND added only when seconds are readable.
h=10 m=58
